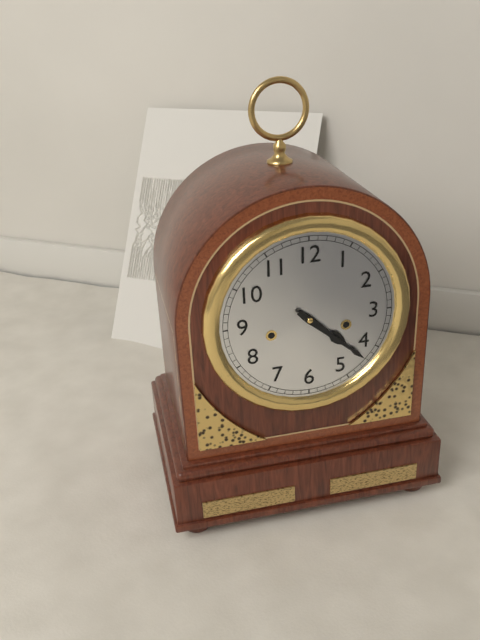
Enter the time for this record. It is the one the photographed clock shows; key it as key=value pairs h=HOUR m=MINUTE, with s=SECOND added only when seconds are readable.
h=4 m=22
